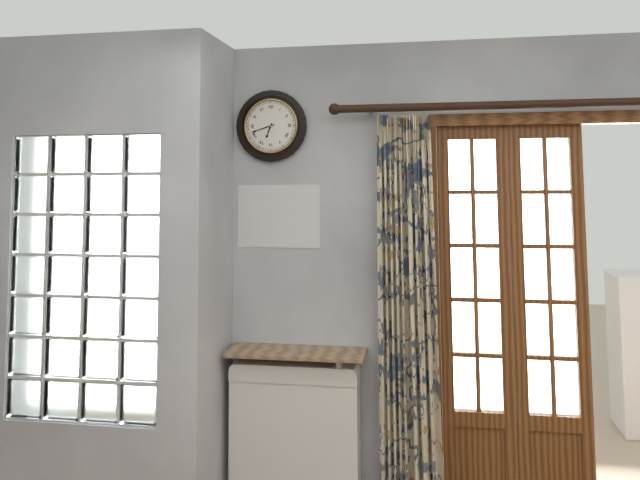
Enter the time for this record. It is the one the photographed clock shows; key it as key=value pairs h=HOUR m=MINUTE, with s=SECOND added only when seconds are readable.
h=6 m=42
